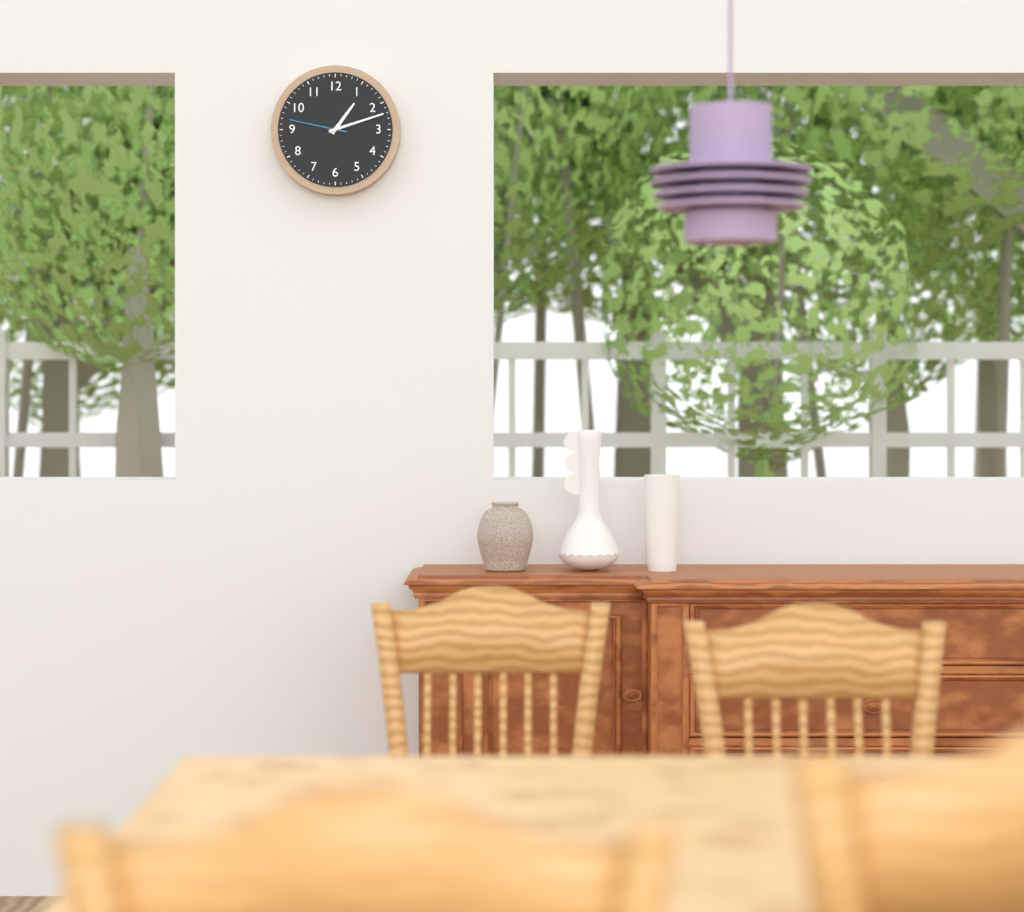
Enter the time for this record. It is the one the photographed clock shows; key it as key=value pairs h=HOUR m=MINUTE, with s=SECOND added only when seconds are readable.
h=1 m=12 s=47
